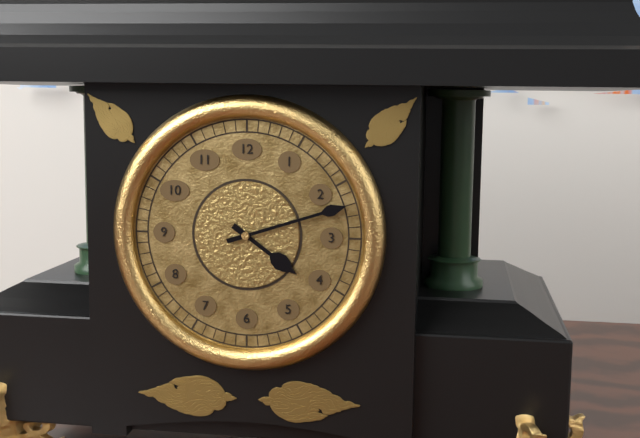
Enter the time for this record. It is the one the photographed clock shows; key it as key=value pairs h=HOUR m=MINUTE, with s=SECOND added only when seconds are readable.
h=4 m=12
